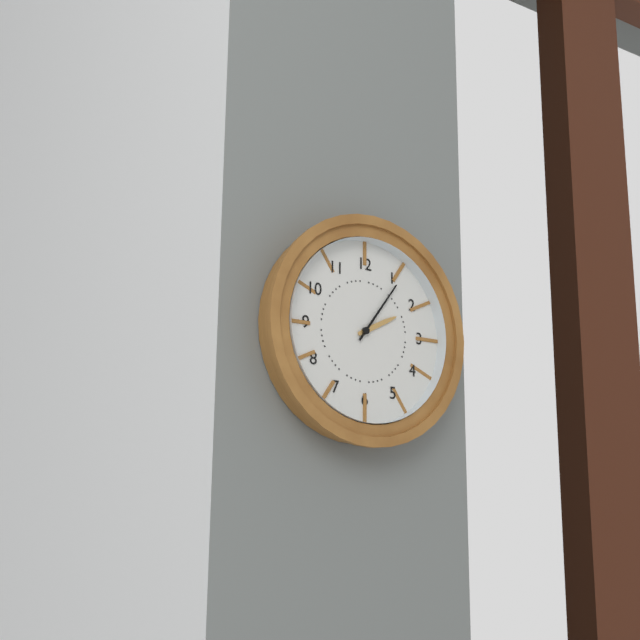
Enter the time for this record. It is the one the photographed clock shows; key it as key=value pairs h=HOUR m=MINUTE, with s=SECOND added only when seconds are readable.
h=2 m=6
